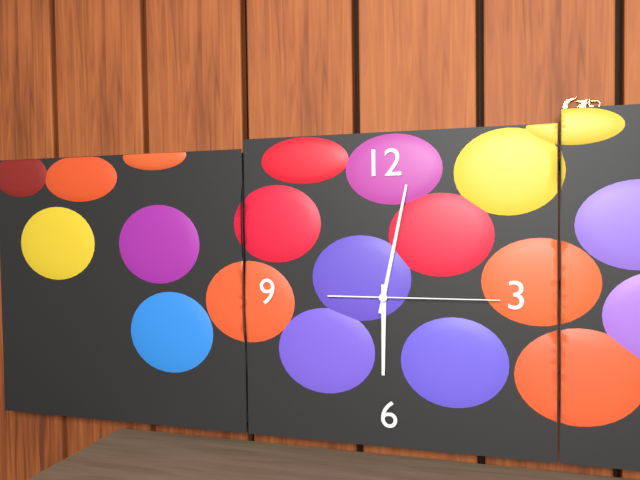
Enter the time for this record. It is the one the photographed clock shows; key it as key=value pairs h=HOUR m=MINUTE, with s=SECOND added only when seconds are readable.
h=6 m=2 s=15
